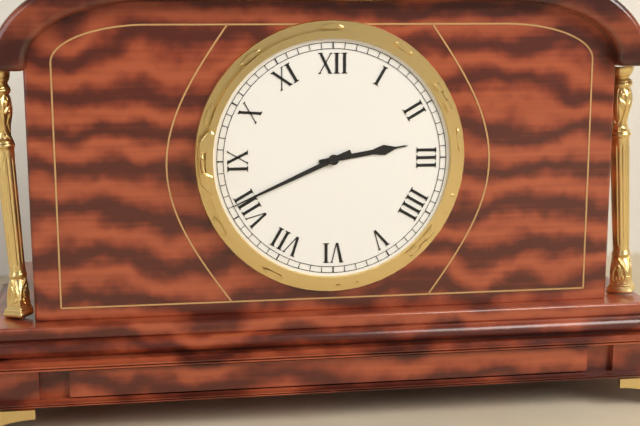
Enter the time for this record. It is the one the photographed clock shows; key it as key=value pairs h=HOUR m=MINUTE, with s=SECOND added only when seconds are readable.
h=2 m=41
